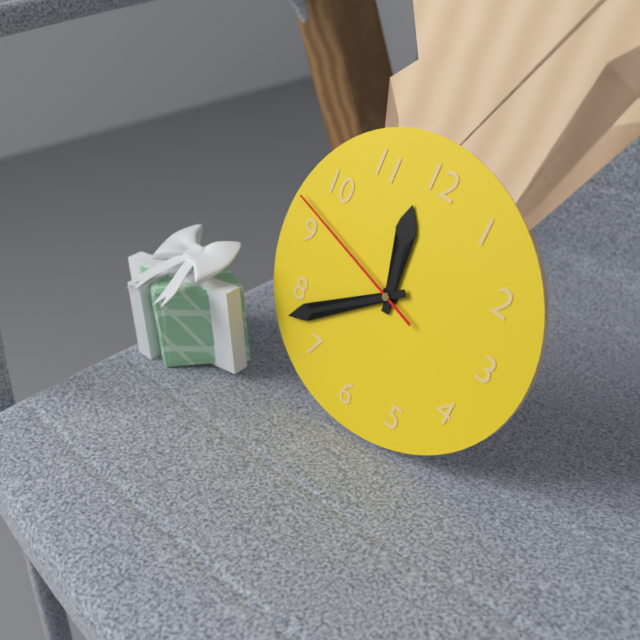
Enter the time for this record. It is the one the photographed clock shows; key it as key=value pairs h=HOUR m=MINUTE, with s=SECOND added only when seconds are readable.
h=11 m=38 s=47
